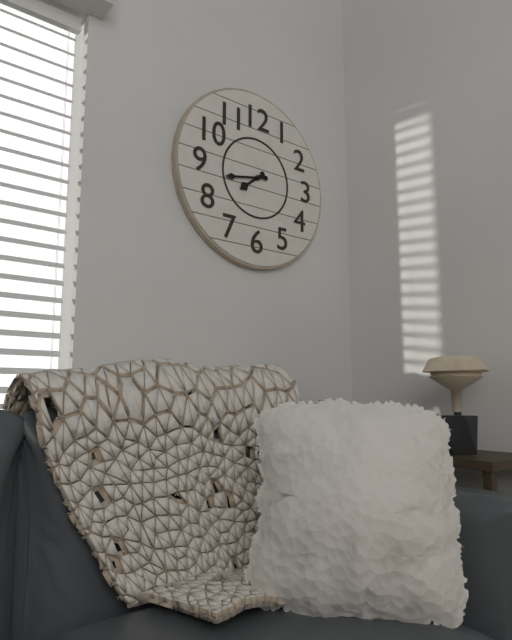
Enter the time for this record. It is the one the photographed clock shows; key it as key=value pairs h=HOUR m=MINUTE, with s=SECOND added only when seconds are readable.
h=7 m=43
